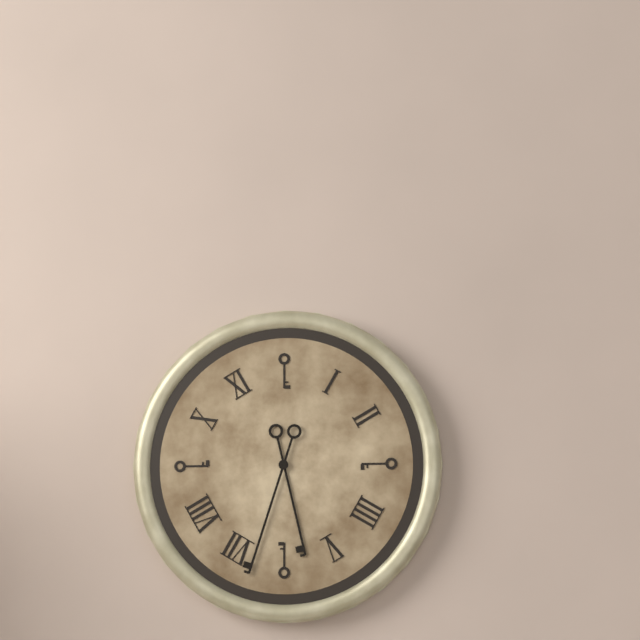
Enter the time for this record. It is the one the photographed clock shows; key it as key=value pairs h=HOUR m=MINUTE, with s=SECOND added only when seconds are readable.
h=5 m=33
